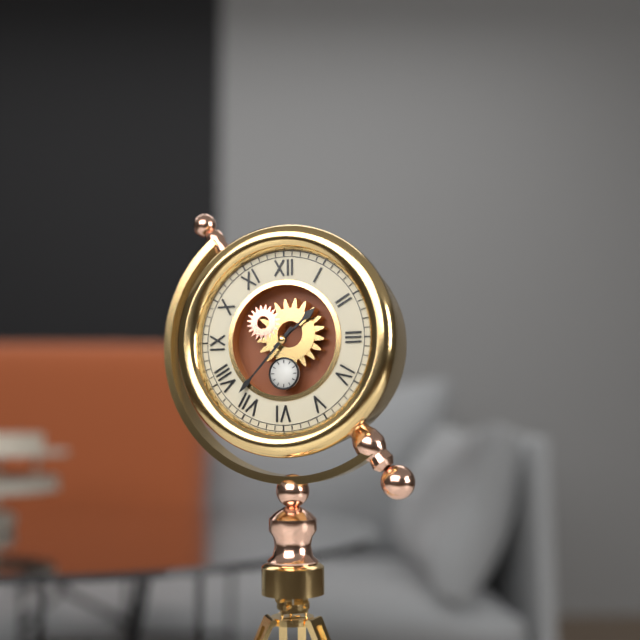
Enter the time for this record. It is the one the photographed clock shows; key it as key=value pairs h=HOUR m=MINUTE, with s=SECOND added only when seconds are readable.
h=1 m=37
